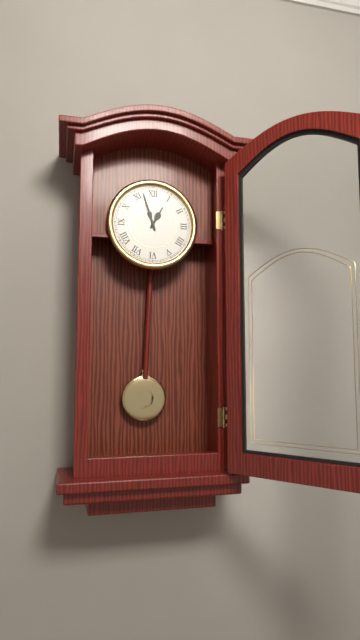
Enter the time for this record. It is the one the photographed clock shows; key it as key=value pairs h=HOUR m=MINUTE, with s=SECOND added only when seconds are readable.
h=12 m=57
